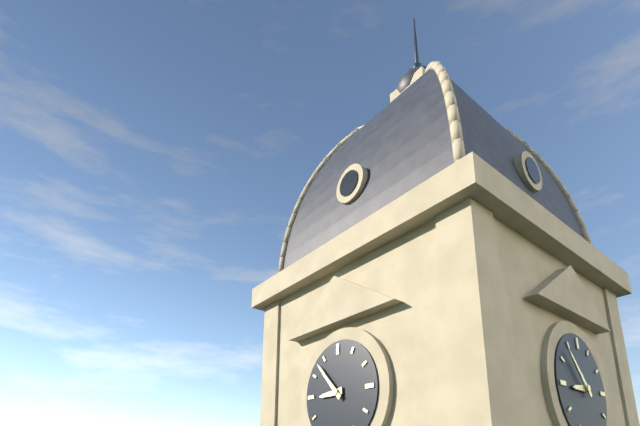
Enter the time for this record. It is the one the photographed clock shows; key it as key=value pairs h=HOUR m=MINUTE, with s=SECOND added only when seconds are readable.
h=8 m=53
